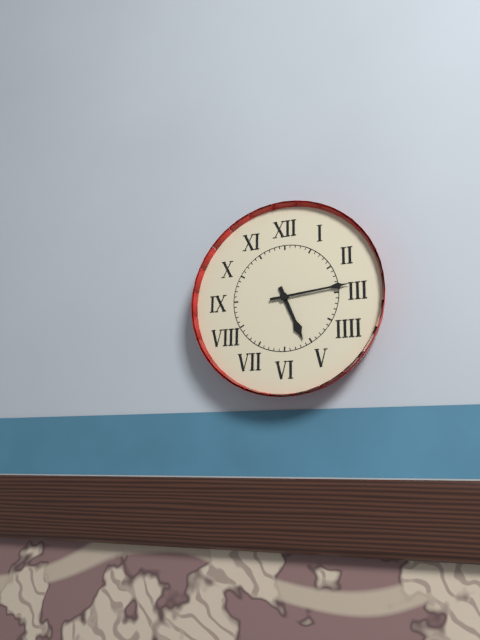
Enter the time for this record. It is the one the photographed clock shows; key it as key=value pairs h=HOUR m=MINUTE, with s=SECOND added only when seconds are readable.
h=5 m=14
